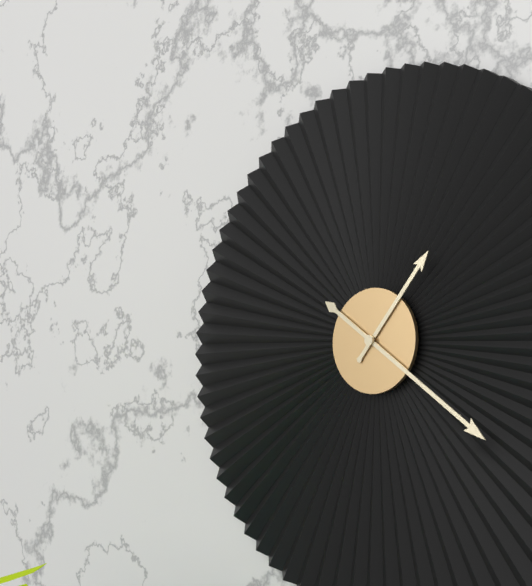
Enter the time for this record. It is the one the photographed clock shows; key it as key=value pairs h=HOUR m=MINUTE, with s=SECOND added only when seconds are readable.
h=1 m=21
